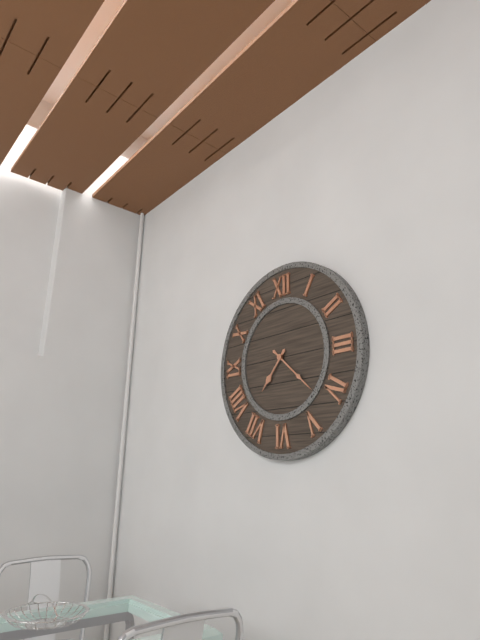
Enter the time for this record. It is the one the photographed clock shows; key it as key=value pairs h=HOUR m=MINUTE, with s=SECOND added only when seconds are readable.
h=7 m=22
